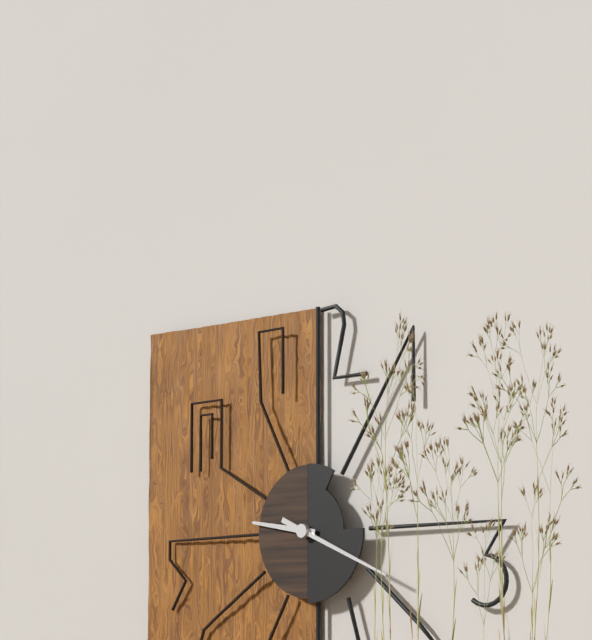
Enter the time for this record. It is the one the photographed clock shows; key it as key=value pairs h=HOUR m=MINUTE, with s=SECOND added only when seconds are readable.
h=9 m=19
